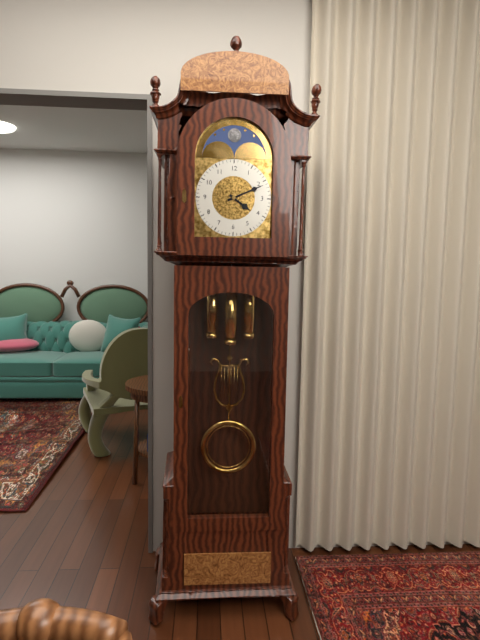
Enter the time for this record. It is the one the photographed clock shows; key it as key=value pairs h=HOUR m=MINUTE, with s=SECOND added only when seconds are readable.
h=4 m=11
